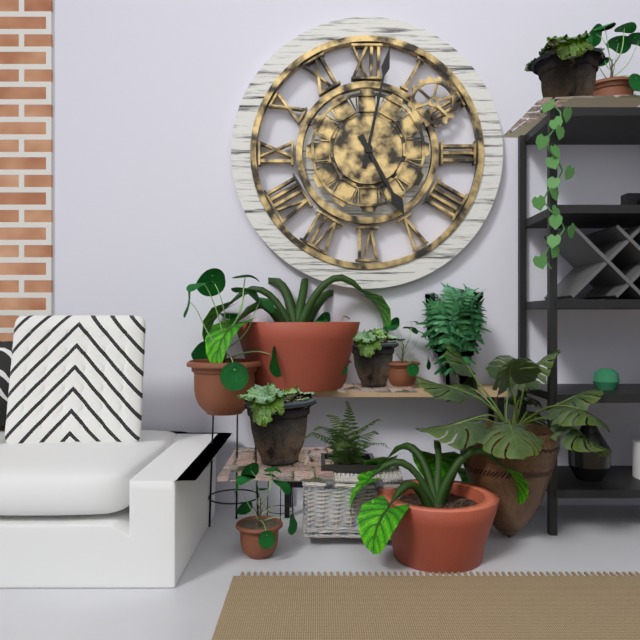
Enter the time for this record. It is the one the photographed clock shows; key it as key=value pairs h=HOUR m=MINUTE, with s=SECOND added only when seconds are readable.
h=5 m=2
